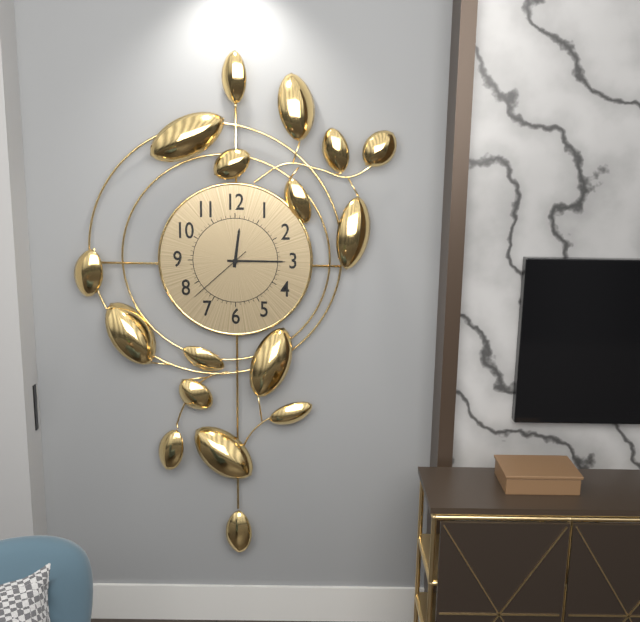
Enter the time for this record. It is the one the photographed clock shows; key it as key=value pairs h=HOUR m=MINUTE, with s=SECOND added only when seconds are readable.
h=12 m=15 s=38
